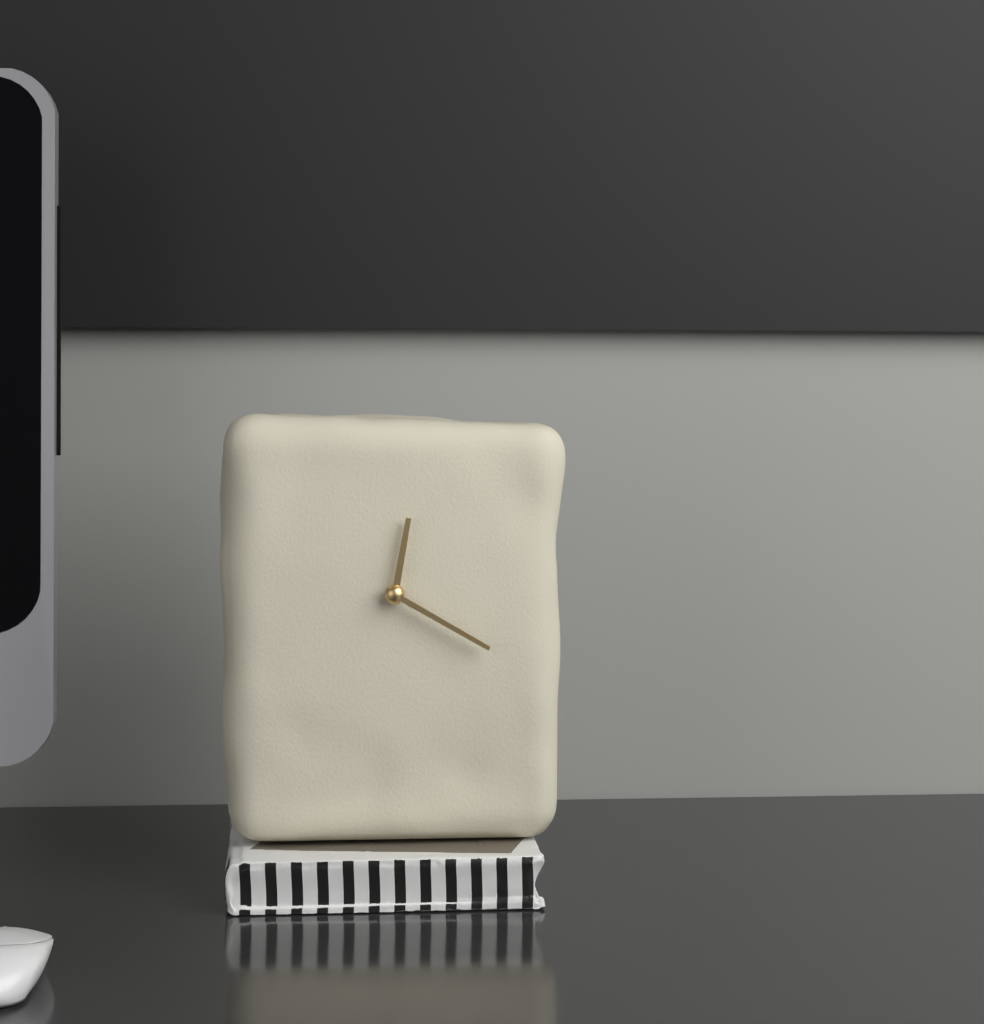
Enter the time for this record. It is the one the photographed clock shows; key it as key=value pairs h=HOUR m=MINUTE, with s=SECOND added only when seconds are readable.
h=12 m=20
